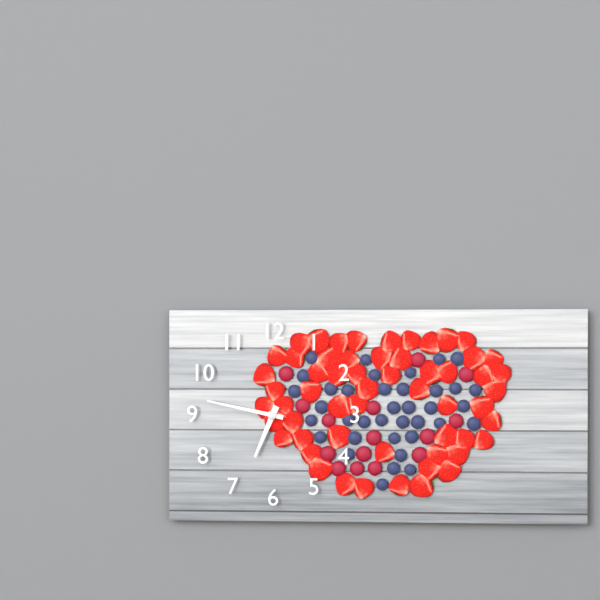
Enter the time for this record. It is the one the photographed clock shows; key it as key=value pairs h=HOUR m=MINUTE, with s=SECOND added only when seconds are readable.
h=6 m=47
